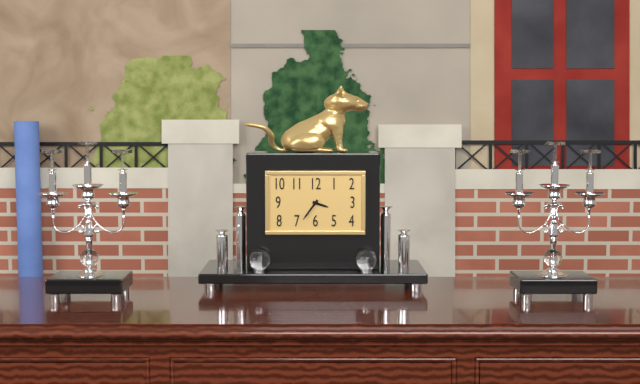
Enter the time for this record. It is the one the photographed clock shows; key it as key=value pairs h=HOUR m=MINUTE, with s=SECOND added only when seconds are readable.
h=3 m=36
